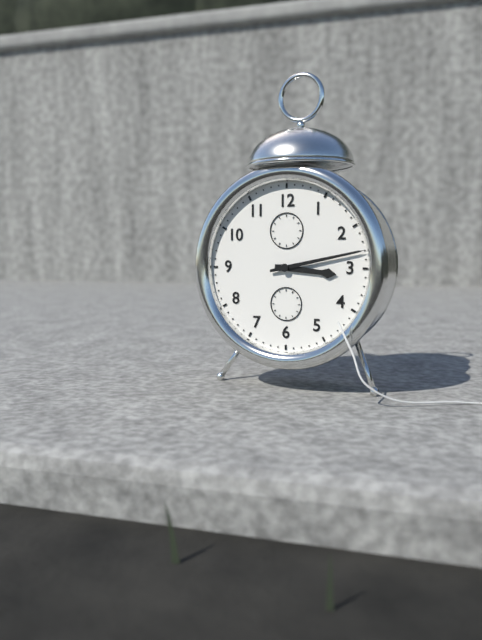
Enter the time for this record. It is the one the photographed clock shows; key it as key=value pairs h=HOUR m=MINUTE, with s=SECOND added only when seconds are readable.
h=3 m=13
